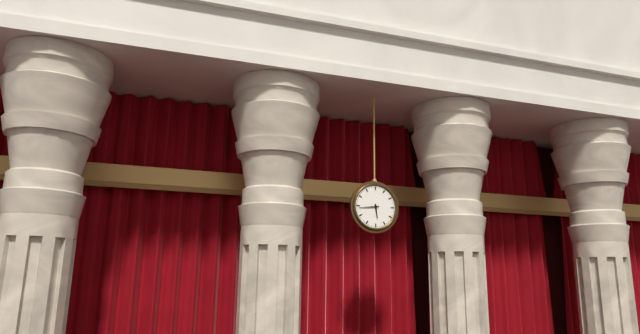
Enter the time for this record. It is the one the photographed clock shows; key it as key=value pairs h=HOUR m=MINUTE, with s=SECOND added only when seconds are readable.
h=5 m=44
